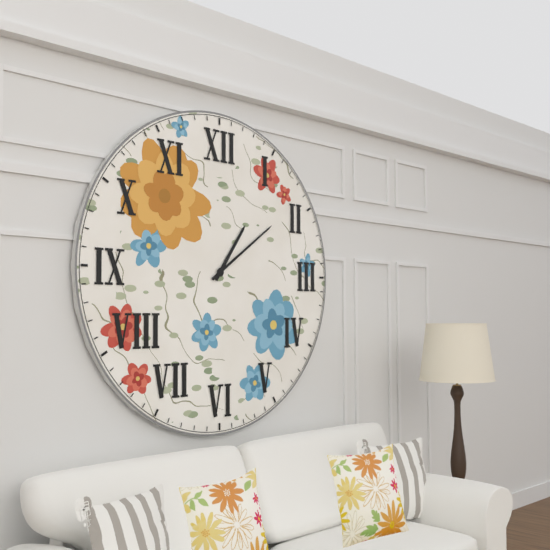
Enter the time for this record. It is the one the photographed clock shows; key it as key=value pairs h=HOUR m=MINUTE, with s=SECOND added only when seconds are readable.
h=1 m=9
